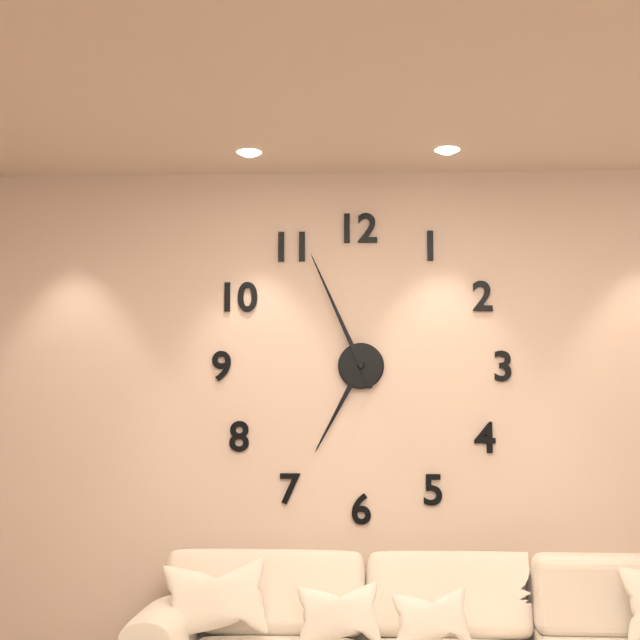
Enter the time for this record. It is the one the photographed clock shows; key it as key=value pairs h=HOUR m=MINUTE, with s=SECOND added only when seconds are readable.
h=6 m=56
